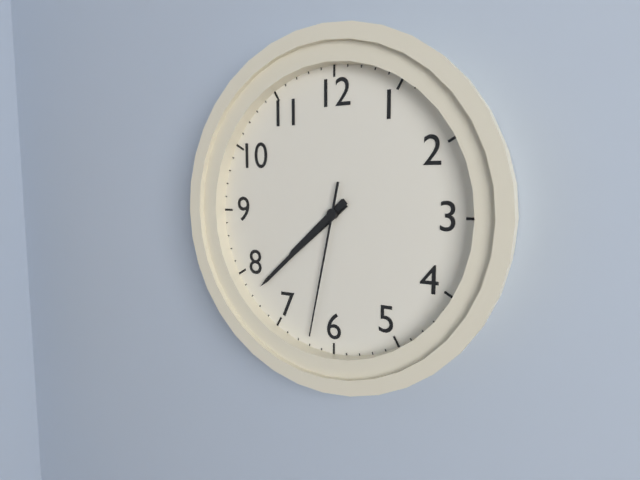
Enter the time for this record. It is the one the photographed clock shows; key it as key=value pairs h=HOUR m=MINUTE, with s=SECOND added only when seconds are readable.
h=7 m=38 s=32
